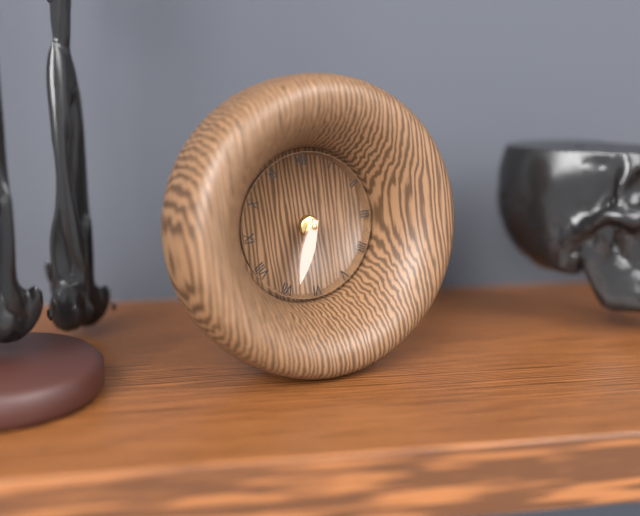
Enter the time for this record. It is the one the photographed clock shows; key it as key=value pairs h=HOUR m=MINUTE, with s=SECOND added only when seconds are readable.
h=6 m=34
